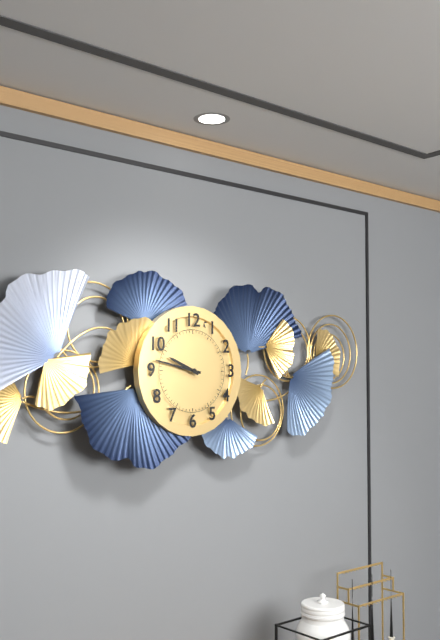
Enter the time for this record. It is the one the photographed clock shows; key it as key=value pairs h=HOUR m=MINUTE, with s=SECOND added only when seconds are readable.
h=9 m=47
